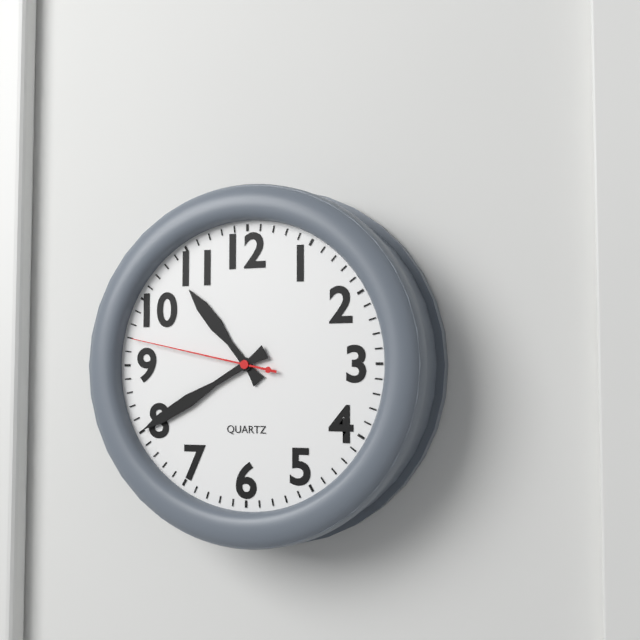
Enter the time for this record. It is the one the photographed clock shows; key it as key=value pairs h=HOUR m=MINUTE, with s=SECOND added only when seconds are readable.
h=10 m=40 s=47
